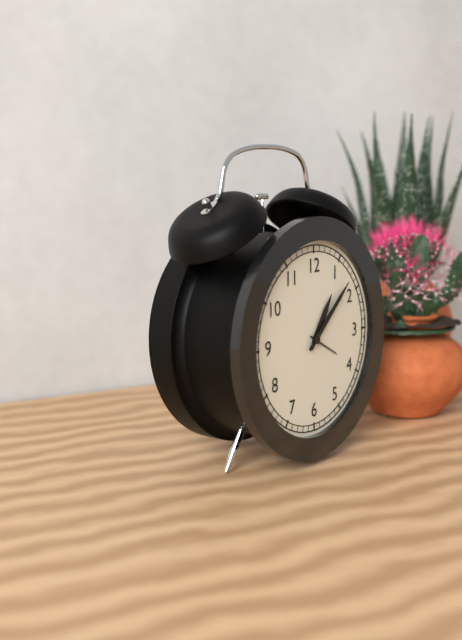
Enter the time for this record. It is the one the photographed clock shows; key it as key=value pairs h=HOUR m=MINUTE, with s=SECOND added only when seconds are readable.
h=1 m=8
